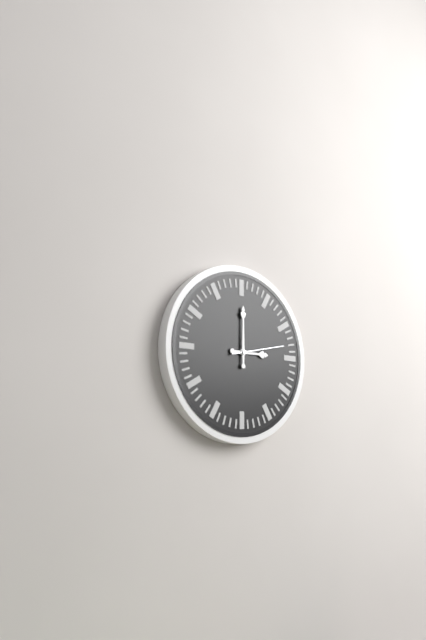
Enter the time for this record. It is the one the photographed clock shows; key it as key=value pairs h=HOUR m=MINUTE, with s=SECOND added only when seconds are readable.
h=3 m=0 s=13
